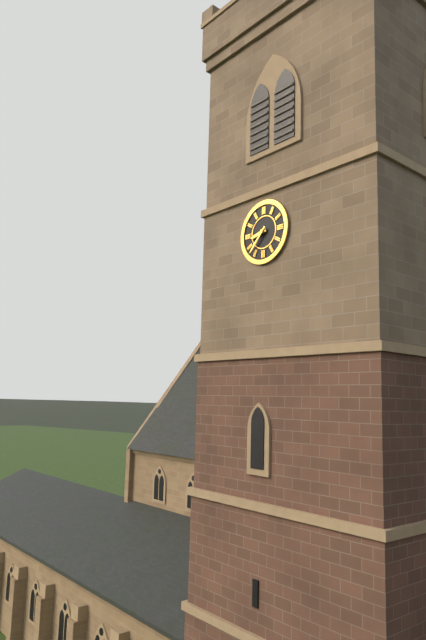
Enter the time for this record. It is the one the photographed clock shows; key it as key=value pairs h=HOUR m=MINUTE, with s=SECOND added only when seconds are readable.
h=8 m=37
